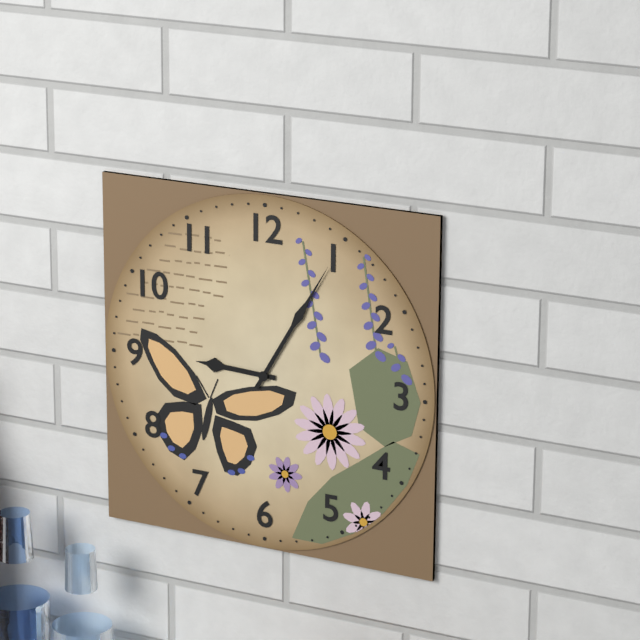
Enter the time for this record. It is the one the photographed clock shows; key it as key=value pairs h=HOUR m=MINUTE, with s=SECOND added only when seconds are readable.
h=9 m=5
